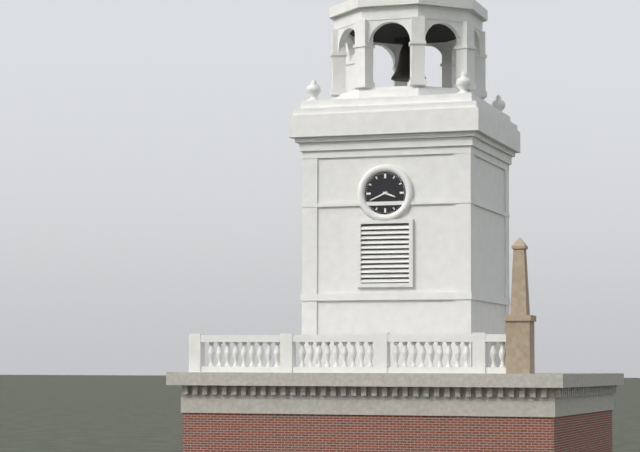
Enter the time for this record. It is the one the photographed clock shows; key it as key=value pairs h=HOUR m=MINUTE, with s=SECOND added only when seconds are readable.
h=3 m=41
